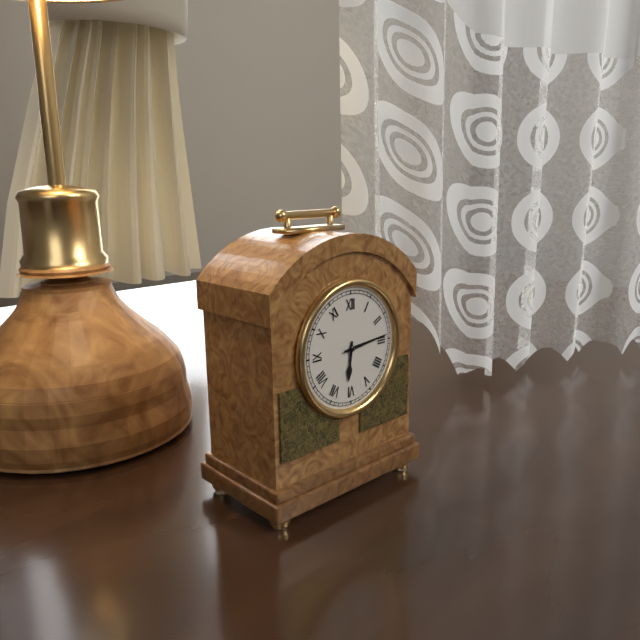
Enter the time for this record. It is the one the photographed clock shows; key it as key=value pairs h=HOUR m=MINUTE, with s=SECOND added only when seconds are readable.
h=6 m=14
